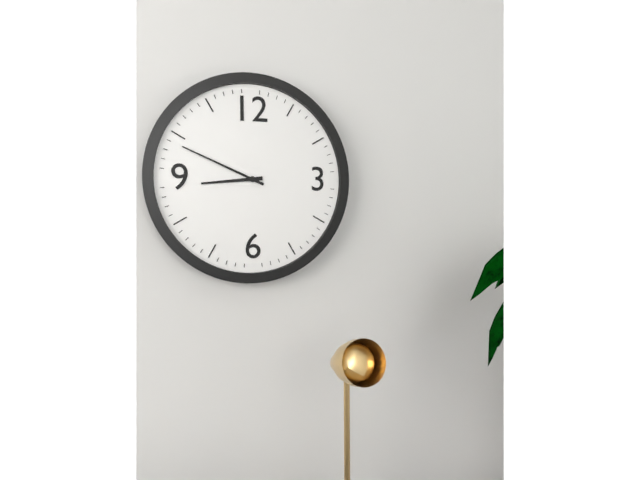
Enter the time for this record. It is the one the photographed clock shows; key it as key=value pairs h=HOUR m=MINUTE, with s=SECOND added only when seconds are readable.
h=8 m=49
